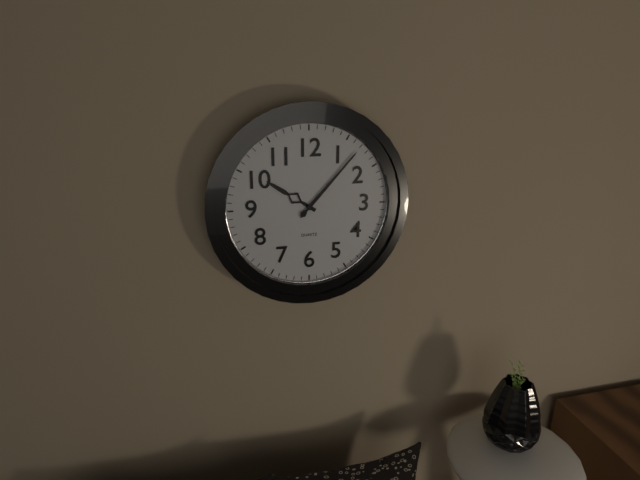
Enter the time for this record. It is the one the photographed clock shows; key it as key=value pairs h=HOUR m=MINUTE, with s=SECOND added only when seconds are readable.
h=10 m=7
